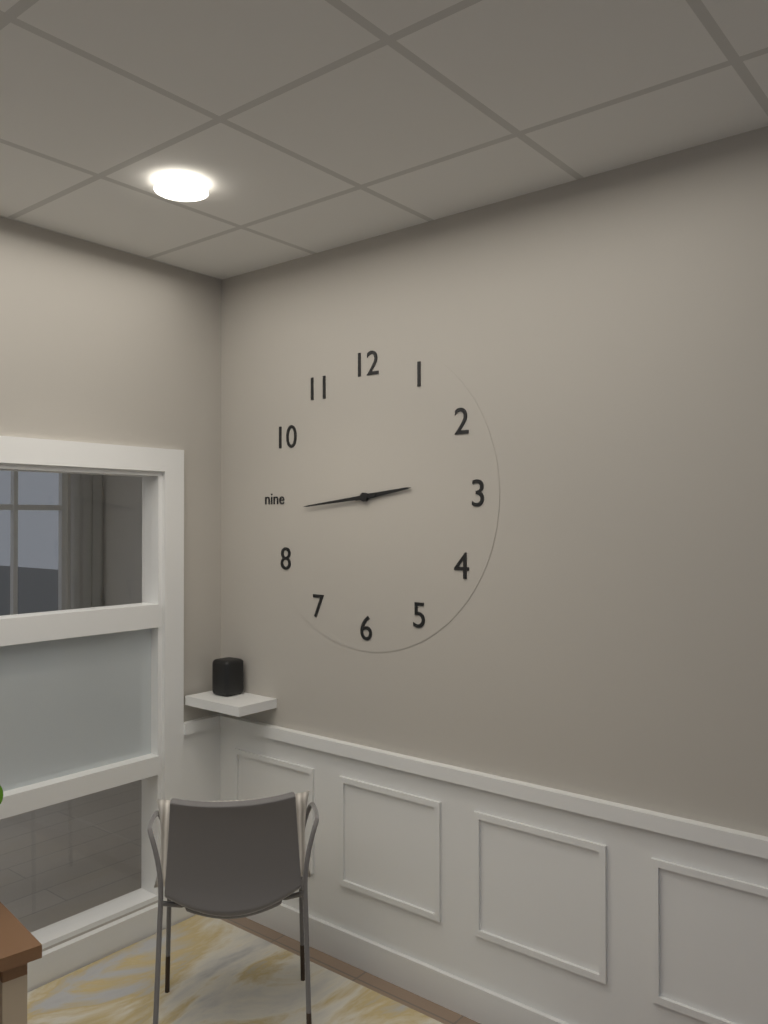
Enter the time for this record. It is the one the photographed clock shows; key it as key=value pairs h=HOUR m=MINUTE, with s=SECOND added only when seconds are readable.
h=2 m=44
